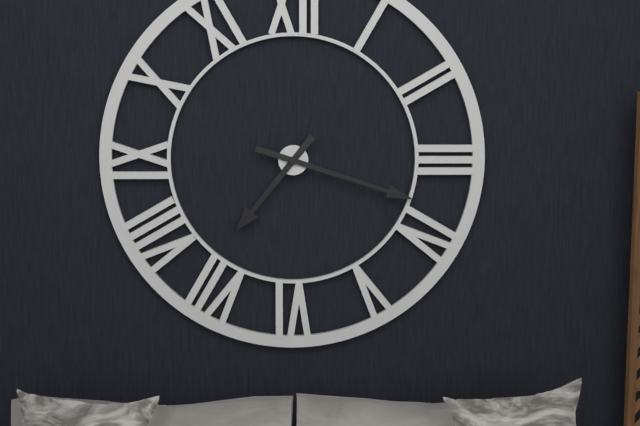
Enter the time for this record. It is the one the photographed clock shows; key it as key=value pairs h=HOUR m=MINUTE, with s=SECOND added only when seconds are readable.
h=7 m=18
